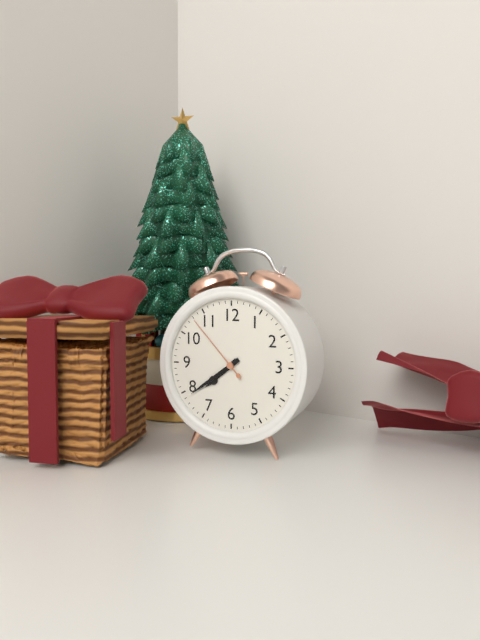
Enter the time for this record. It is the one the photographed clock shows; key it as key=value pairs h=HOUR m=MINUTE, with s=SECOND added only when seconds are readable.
h=7 m=39 s=53
